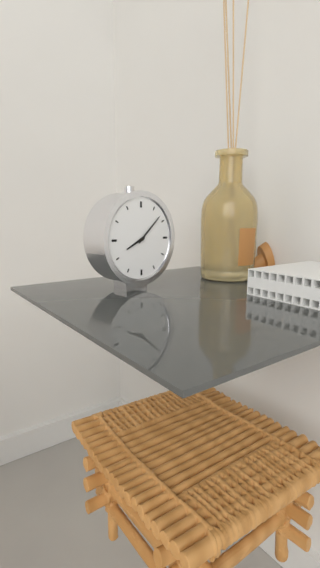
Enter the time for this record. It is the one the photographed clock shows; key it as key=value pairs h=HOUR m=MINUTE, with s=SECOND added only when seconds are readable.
h=8 m=8
